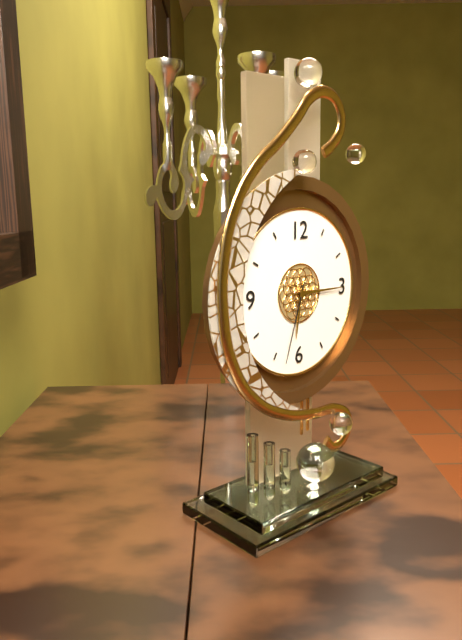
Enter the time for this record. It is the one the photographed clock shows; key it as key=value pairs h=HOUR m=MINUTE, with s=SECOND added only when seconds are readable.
h=6 m=15 s=33
